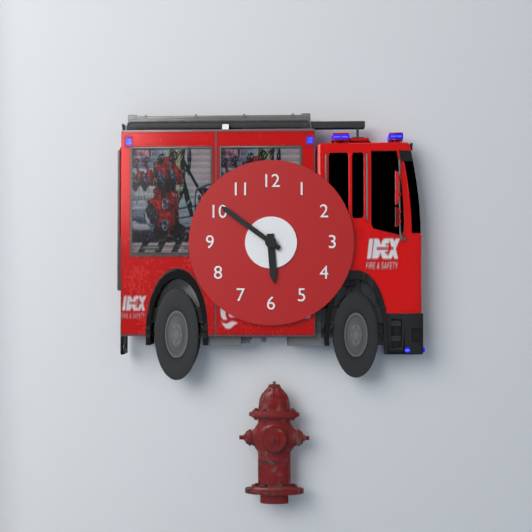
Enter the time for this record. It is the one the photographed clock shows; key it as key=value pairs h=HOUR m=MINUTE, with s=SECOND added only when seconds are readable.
h=5 m=51
